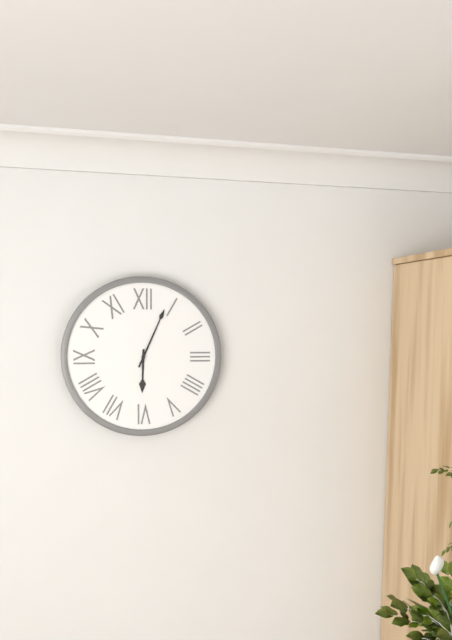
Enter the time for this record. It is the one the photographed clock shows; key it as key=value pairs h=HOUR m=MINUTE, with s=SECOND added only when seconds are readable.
h=6 m=4
